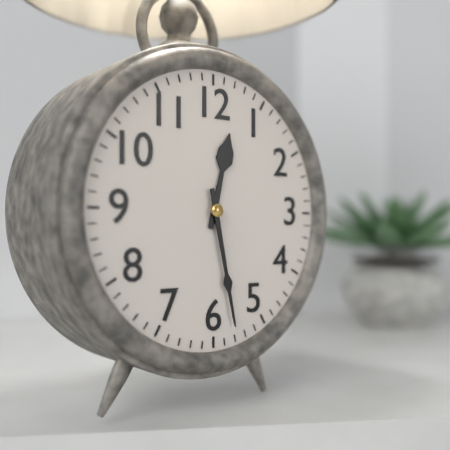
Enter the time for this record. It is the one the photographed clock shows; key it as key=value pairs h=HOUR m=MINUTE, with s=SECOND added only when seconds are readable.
h=12 m=28
